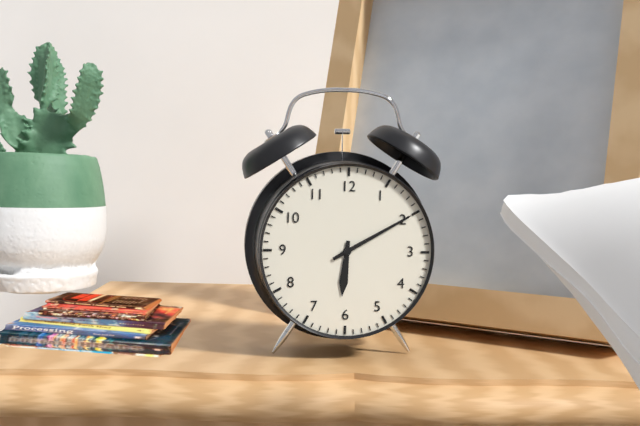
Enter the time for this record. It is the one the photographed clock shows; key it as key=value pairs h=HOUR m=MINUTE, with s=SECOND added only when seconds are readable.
h=6 m=10
